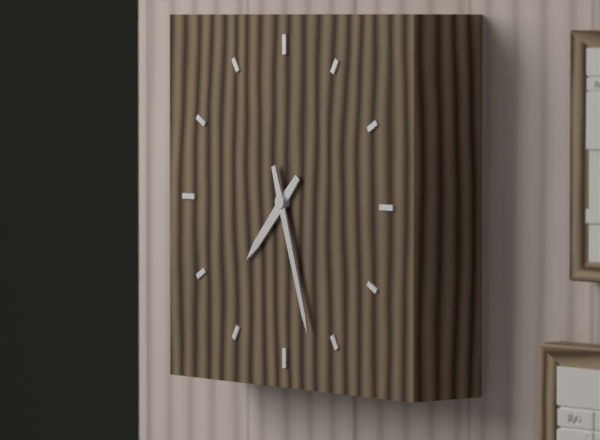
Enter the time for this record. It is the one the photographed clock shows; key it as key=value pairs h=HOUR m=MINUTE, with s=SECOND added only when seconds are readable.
h=7 m=27
